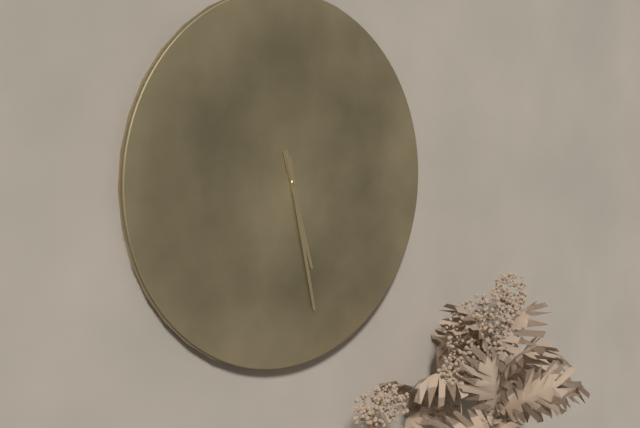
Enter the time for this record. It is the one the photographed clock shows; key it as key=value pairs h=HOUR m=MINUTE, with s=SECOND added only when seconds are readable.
h=5 m=28
